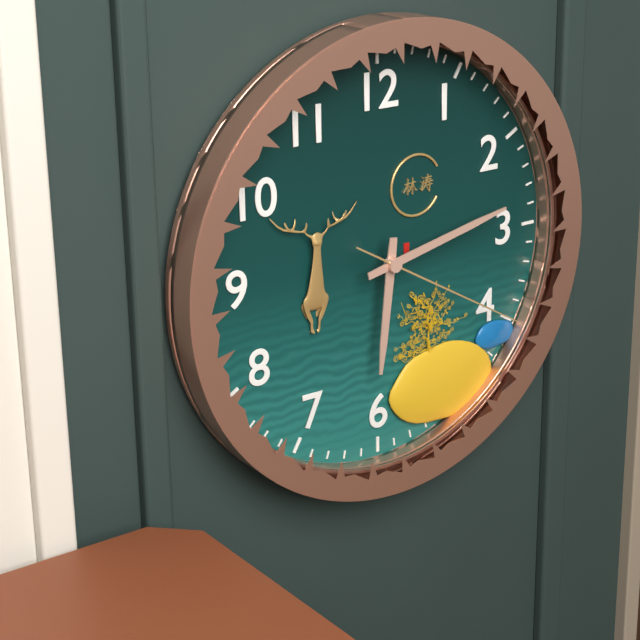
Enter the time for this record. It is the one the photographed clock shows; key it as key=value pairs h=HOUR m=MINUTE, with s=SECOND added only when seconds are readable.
h=6 m=13 s=20
